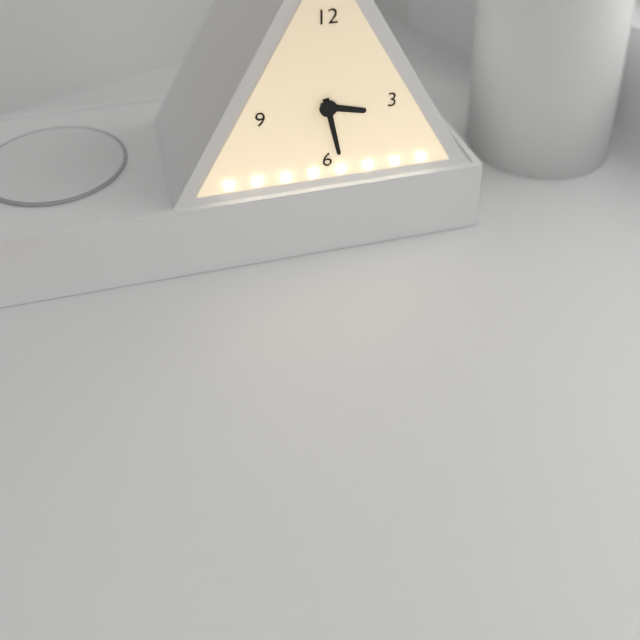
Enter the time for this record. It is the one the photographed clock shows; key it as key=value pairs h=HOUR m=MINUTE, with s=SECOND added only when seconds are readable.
h=3 m=28
